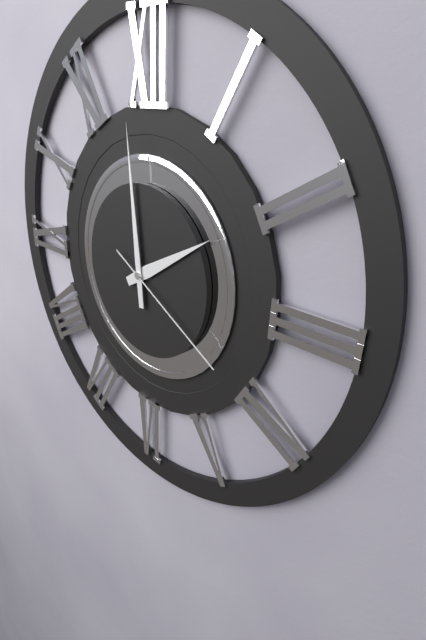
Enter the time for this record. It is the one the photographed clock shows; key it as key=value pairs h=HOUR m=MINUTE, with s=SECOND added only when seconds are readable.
h=1 m=59 s=20
